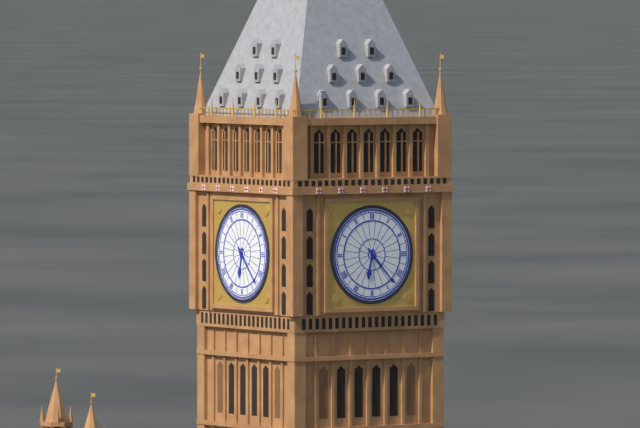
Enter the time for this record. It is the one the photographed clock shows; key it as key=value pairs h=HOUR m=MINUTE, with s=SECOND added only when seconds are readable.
h=6 m=23
